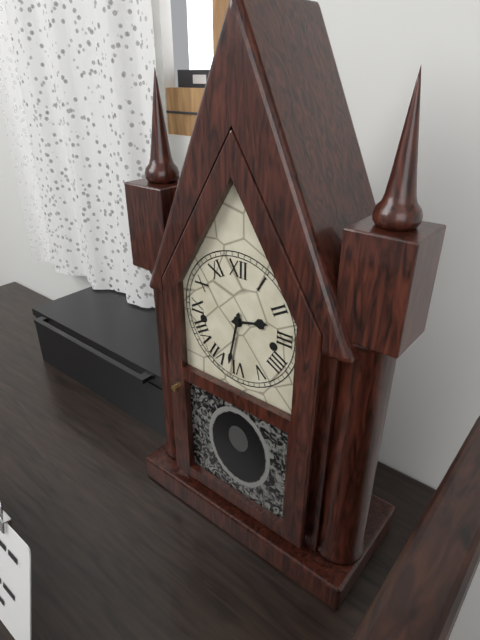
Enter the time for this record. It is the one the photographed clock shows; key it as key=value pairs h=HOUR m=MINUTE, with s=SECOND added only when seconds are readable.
h=2 m=32
